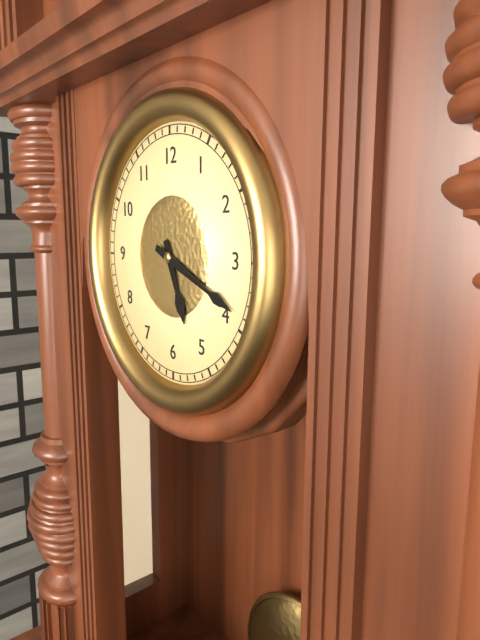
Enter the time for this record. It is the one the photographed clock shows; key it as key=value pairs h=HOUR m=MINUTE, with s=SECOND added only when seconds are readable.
h=5 m=19
